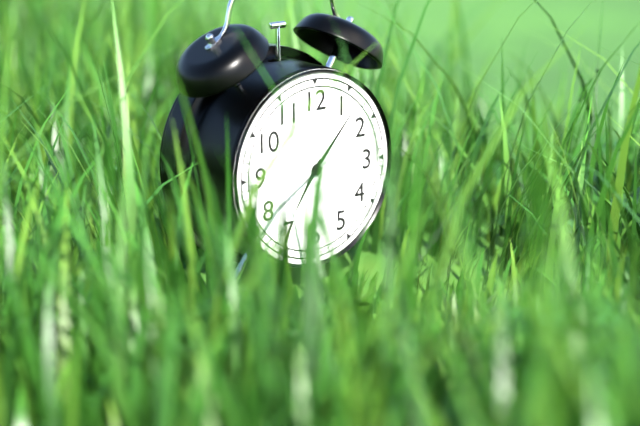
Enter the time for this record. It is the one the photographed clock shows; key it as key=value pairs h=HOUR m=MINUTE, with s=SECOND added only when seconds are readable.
h=7 m=7
